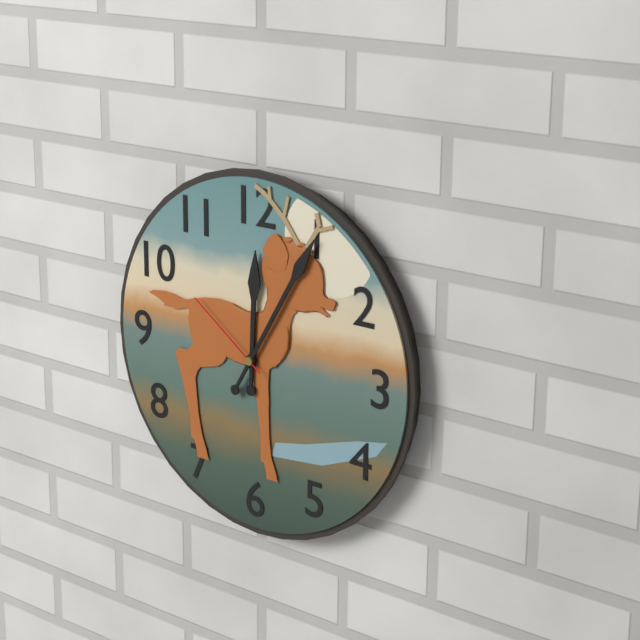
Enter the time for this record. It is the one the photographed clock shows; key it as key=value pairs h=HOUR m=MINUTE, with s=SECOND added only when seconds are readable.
h=12 m=5 s=51
